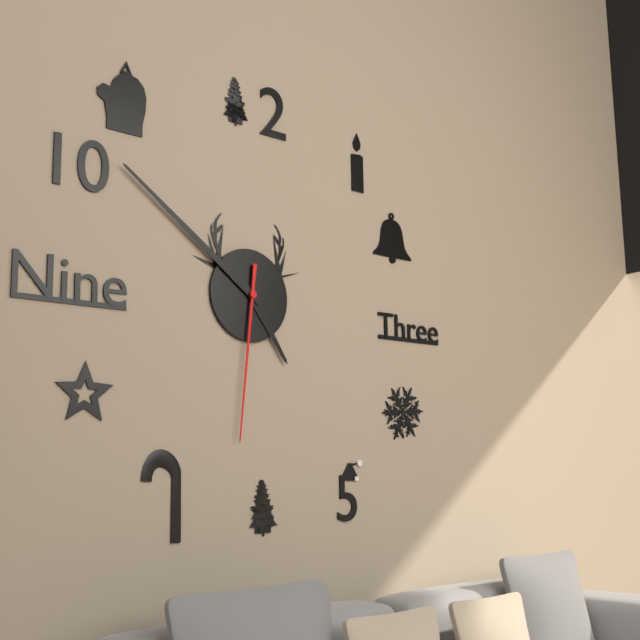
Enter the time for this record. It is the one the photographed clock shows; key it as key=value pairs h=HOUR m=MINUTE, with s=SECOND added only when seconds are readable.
h=4 m=51 s=31
